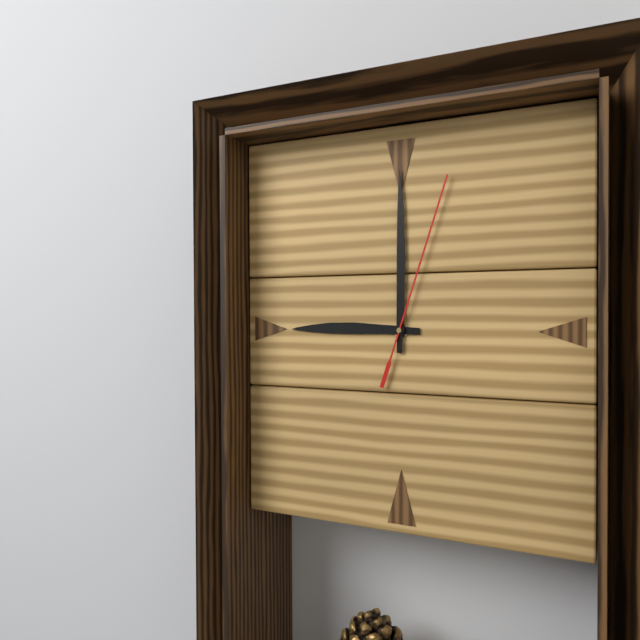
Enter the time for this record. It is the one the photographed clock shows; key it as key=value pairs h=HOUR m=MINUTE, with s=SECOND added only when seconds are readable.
h=9 m=0 s=3
